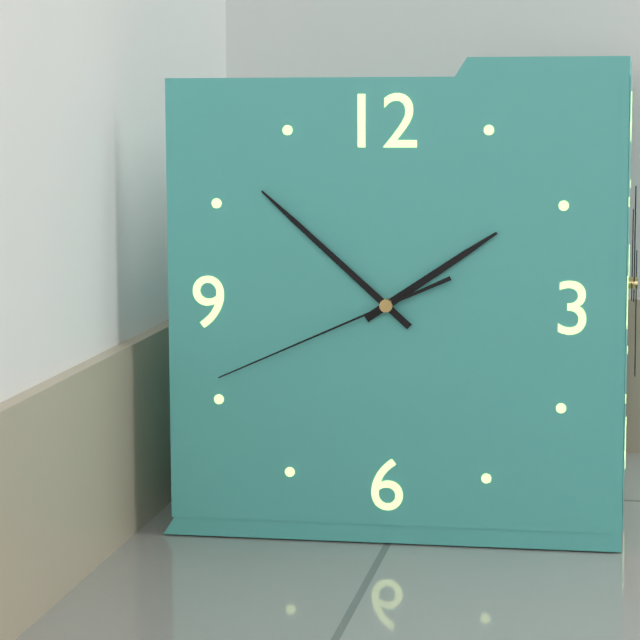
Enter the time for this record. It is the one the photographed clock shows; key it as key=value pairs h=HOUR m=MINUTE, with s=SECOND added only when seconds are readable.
h=1 m=52 s=41
